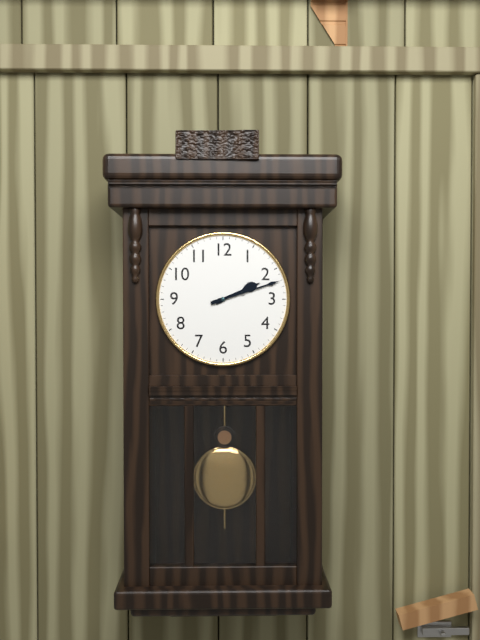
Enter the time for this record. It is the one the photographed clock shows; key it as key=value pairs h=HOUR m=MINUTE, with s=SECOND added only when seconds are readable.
h=2 m=12
